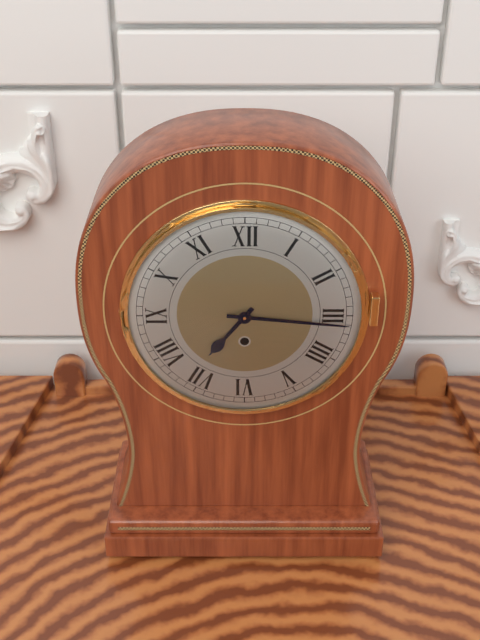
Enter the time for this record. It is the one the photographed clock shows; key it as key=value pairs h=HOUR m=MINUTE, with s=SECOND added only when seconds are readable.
h=7 m=16
